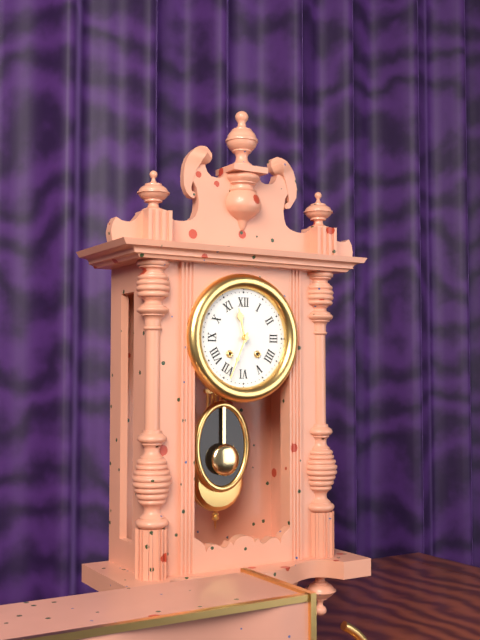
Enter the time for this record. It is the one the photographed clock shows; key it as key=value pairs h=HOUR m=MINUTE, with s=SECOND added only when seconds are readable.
h=11 m=34
